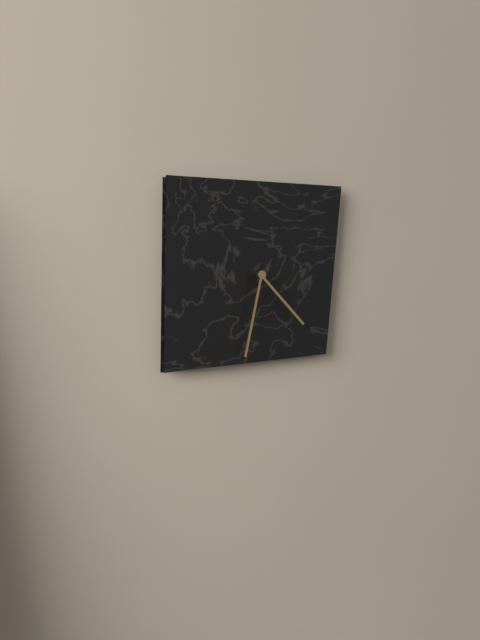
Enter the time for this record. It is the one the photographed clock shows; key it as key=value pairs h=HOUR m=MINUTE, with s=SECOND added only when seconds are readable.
h=4 m=32
